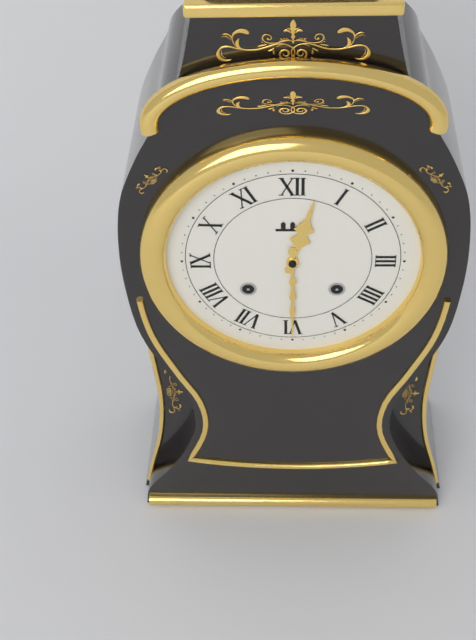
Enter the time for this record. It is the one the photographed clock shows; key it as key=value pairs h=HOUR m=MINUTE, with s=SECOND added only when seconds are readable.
h=12 m=30
